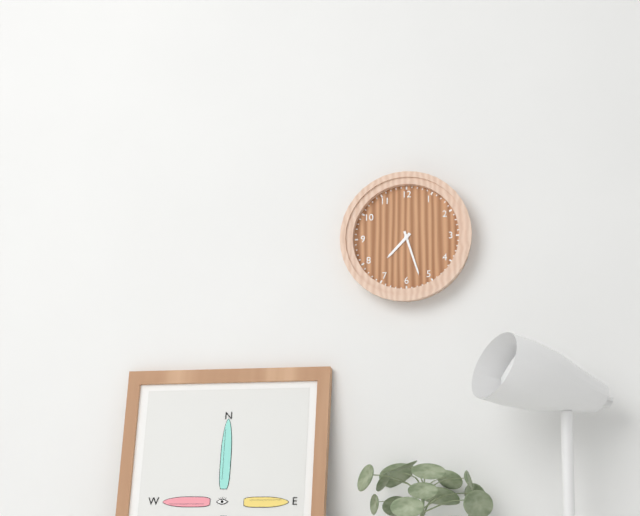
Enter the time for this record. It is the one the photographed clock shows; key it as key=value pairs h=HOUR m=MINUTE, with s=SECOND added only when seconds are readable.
h=7 m=27
